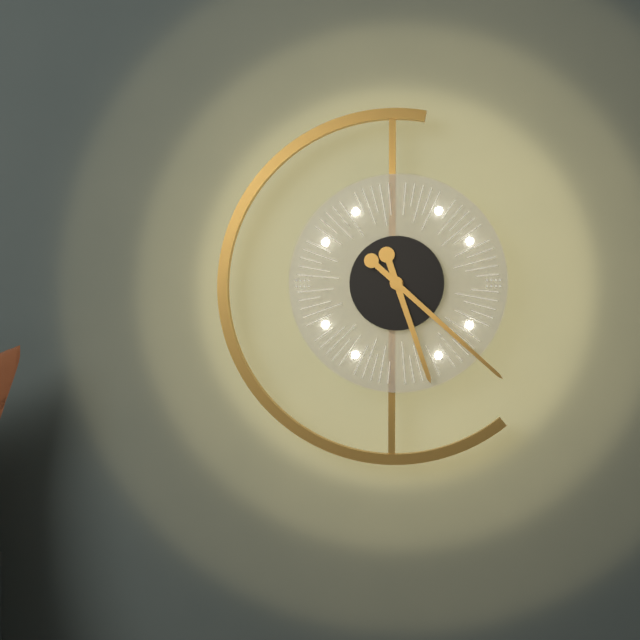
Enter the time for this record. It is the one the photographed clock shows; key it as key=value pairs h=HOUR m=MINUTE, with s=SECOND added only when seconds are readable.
h=5 m=22
